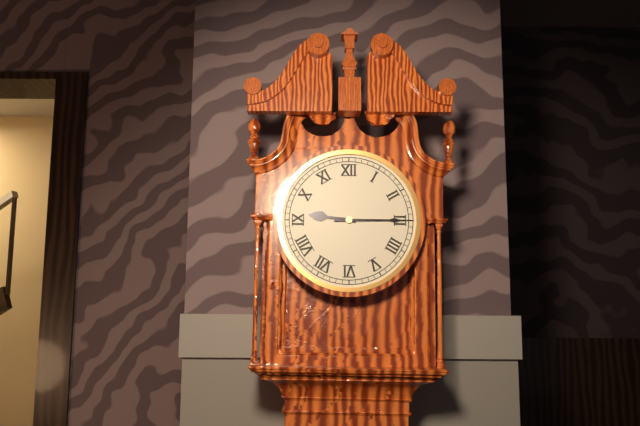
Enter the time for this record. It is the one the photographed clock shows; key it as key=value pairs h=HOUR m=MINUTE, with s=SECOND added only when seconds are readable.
h=9 m=15
